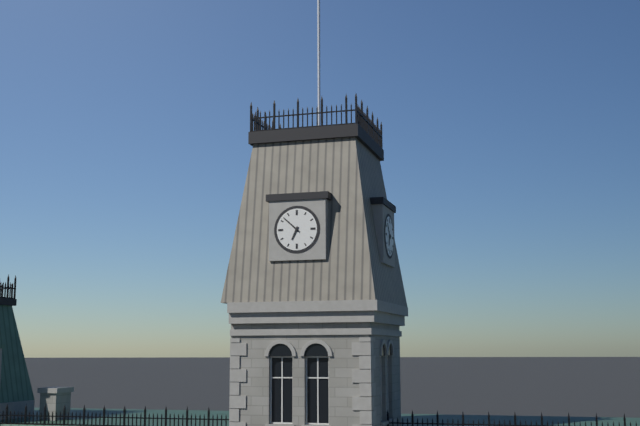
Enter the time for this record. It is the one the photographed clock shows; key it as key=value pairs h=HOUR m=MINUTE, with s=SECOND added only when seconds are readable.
h=6 m=52
